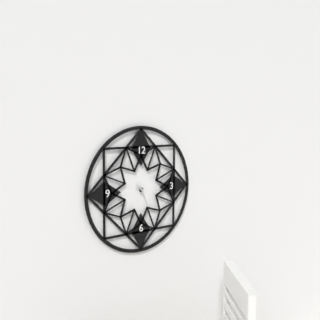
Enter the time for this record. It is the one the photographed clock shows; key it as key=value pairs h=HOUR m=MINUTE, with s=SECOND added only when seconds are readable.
h=10 m=26
